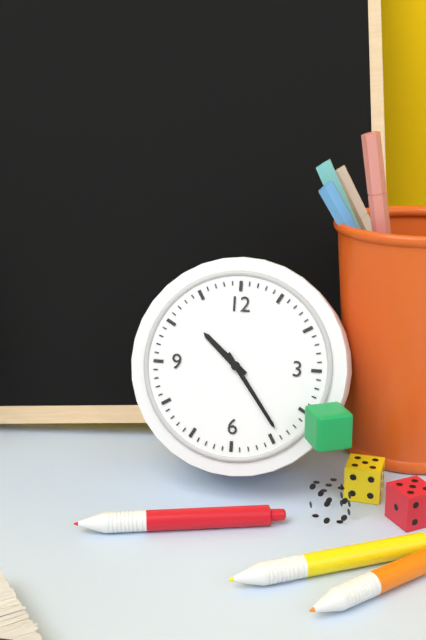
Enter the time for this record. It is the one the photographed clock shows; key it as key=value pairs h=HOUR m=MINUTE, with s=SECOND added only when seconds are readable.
h=10 m=24
